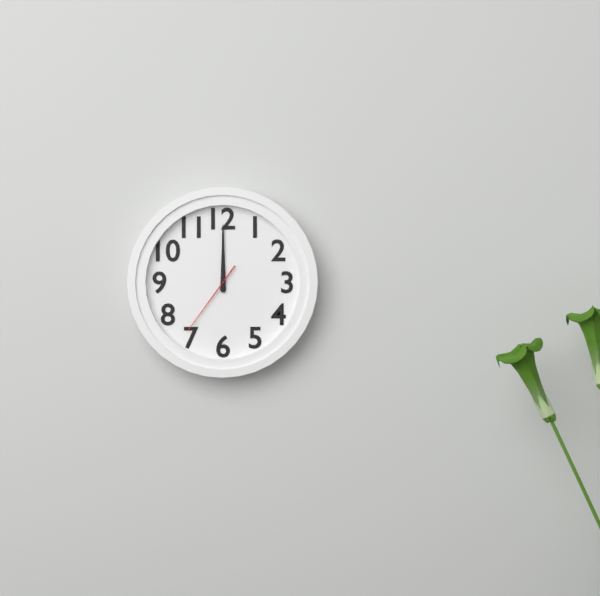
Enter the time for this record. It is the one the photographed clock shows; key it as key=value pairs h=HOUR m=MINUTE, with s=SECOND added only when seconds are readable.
h=12 m=0 s=36
